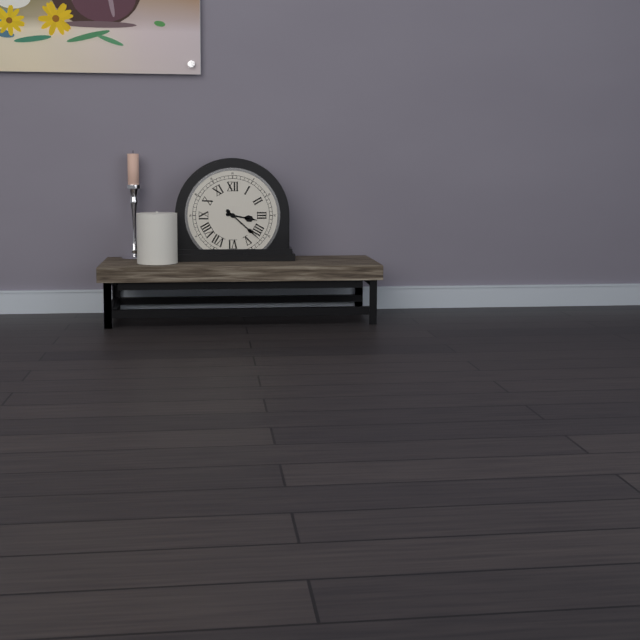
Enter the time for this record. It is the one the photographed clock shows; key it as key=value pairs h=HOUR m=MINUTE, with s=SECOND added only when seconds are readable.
h=3 m=22
